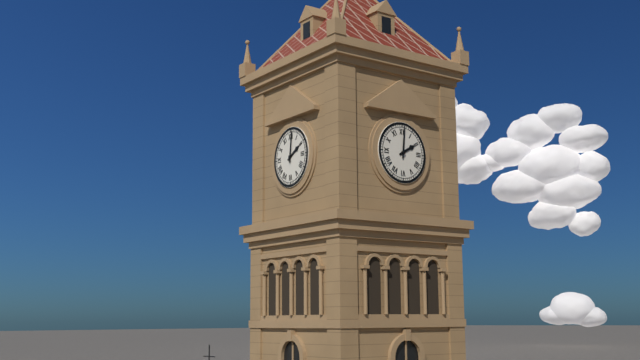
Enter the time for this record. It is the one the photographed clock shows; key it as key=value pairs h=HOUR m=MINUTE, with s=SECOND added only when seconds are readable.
h=2 m=1
